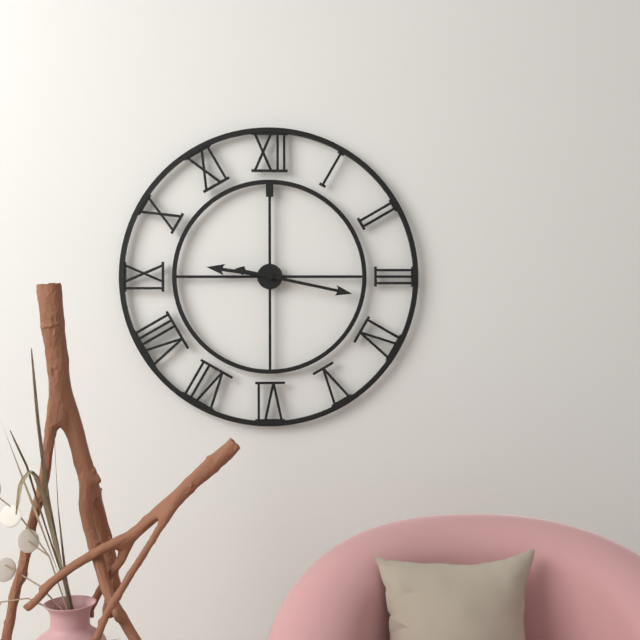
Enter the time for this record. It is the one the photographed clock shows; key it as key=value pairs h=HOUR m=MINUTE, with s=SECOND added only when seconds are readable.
h=9 m=17
